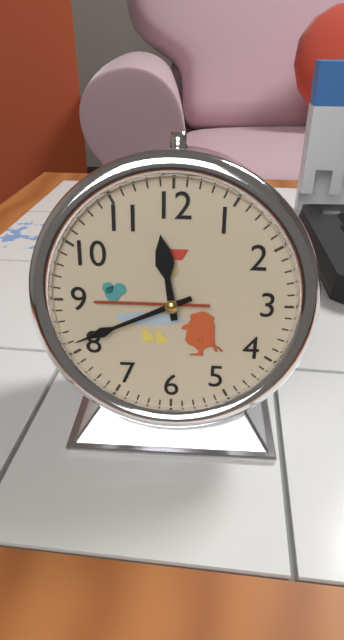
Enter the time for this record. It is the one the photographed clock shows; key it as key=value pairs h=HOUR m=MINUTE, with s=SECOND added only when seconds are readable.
h=11 m=41
